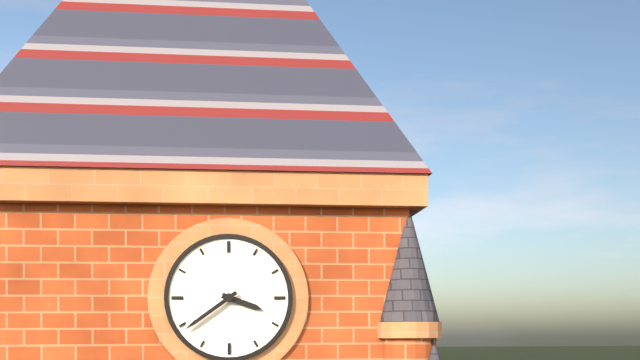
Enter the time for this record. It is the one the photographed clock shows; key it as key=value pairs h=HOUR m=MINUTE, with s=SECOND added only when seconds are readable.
h=3 m=39
